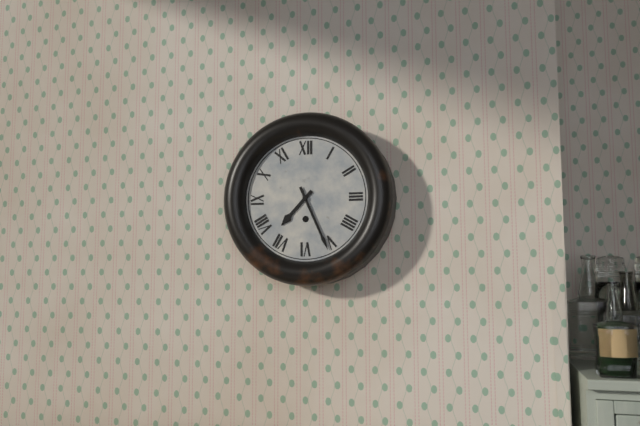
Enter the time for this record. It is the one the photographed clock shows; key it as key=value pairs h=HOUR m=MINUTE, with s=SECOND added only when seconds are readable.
h=7 m=26
